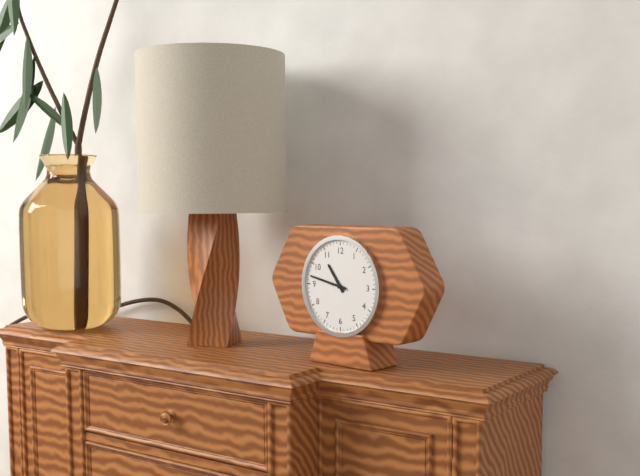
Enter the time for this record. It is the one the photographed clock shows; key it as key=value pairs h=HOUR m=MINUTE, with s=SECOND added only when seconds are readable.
h=10 m=47
